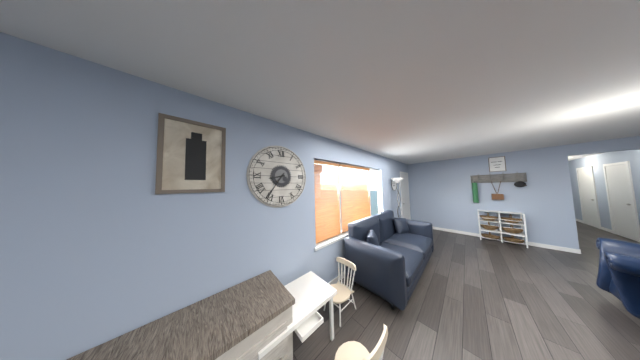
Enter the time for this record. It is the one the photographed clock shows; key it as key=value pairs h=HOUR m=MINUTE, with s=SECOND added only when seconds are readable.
h=8 m=36
